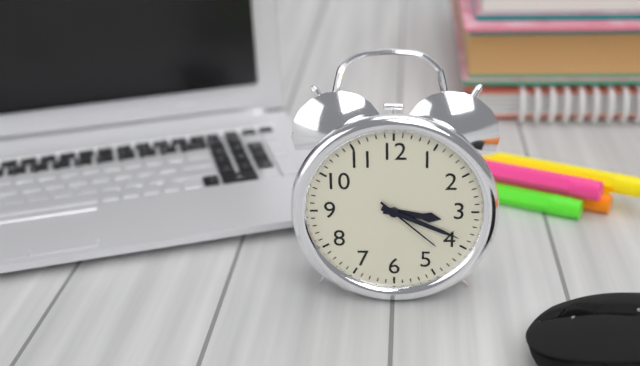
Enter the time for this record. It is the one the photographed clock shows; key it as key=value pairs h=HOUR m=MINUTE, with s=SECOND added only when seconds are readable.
h=3 m=19 s=22
